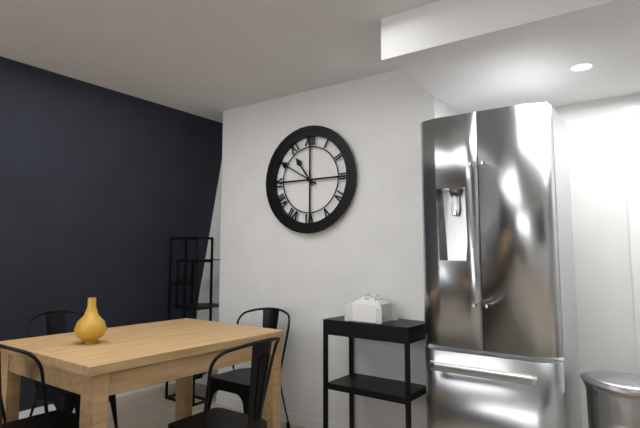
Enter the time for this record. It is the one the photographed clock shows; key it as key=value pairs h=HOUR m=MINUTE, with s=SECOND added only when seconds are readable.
h=10 m=50
